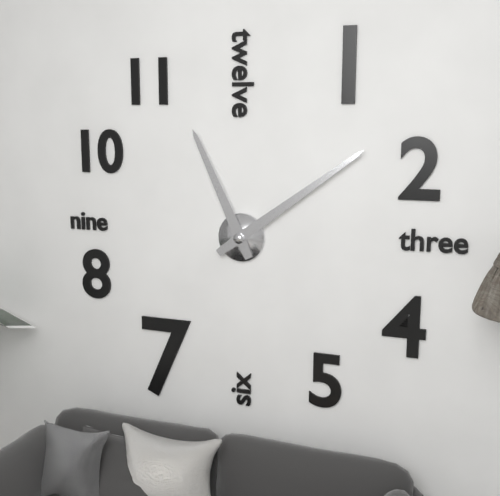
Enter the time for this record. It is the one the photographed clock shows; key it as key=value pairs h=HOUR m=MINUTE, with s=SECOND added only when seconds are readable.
h=11 m=9
